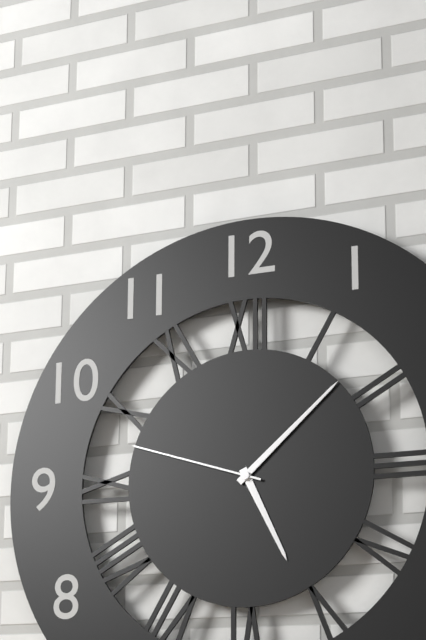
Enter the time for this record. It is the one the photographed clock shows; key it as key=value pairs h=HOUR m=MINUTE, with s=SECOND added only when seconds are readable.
h=5 m=8 s=48
